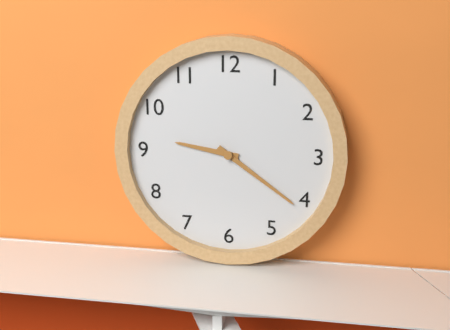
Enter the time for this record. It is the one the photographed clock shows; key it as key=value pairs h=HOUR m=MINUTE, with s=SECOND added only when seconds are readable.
h=9 m=21
